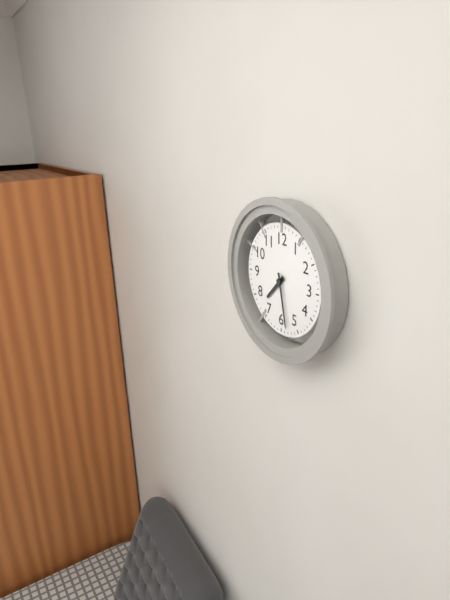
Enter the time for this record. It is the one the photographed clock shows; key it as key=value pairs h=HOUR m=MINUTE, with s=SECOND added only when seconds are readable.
h=7 m=28
